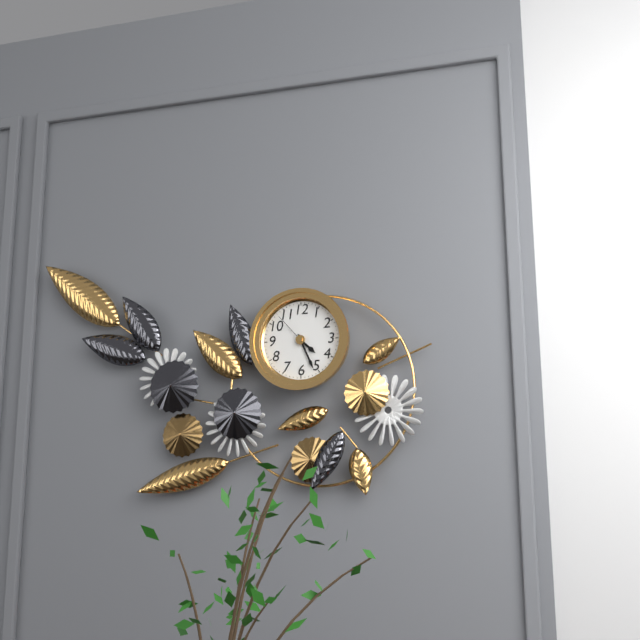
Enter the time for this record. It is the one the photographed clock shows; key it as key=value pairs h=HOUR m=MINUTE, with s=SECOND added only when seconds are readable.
h=4 m=26
